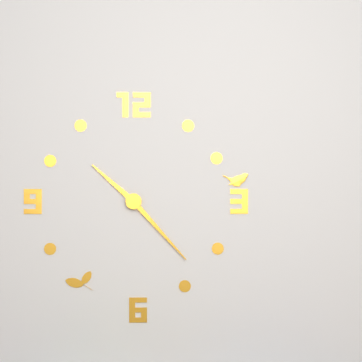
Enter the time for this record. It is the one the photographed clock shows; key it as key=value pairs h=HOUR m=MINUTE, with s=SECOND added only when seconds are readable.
h=10 m=23
